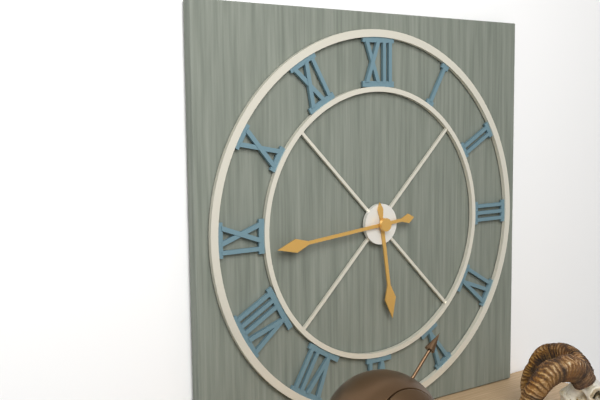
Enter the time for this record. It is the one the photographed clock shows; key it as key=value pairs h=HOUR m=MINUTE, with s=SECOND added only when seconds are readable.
h=5 m=44
